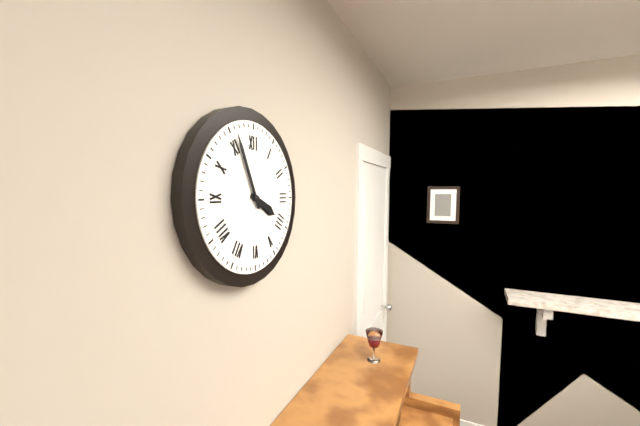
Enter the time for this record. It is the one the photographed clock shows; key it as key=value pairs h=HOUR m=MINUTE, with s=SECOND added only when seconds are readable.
h=3 m=56
